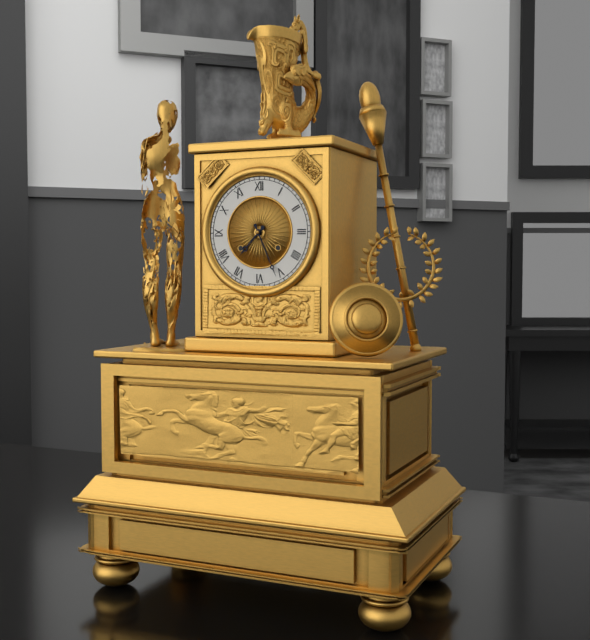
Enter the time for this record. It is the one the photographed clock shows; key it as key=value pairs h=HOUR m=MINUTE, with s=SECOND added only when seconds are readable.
h=7 m=26
